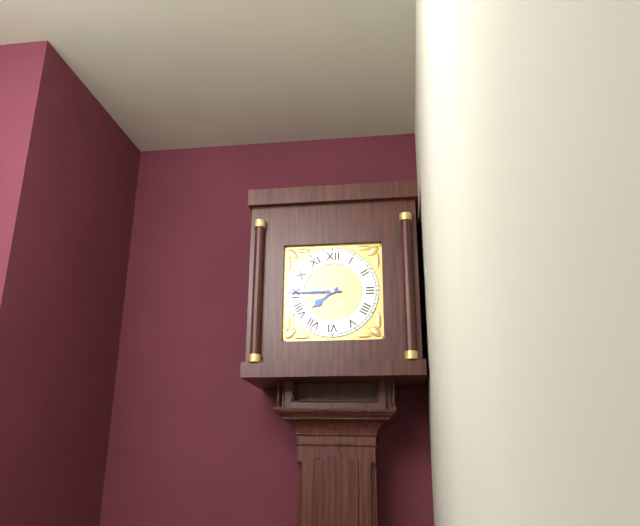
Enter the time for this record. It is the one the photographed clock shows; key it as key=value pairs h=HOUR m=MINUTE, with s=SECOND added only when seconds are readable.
h=7 m=45
